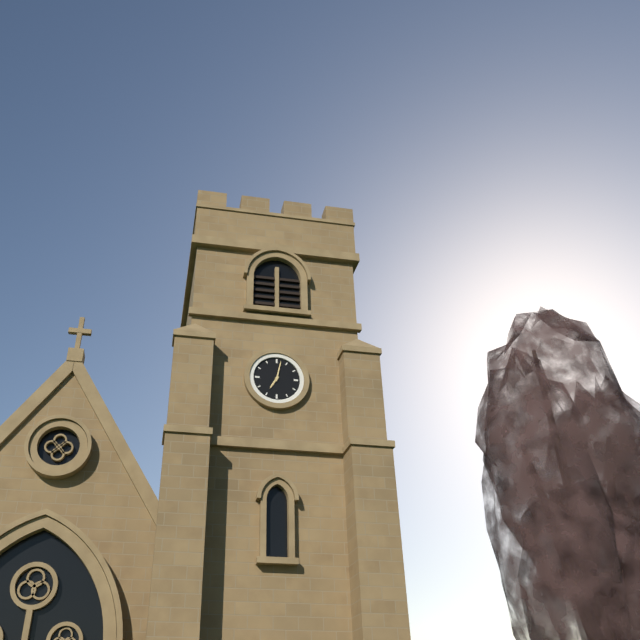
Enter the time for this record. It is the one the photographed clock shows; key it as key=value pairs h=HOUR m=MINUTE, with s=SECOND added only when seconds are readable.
h=7 m=2
